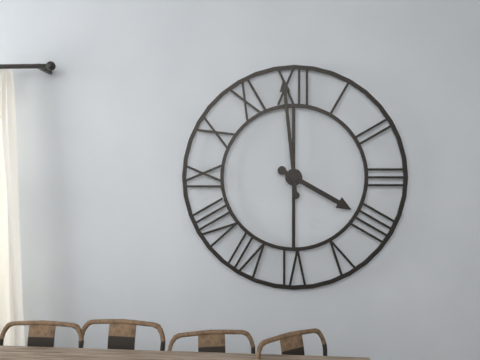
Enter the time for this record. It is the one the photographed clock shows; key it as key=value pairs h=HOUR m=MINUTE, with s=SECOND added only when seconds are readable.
h=3 m=59
